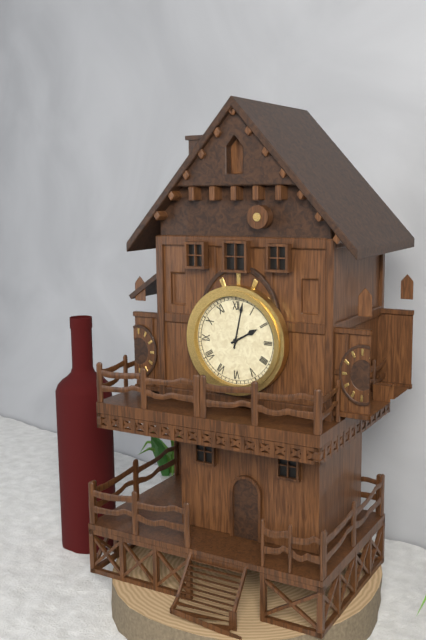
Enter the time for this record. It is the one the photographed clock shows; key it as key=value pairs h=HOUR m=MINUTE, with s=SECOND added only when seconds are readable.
h=2 m=2
